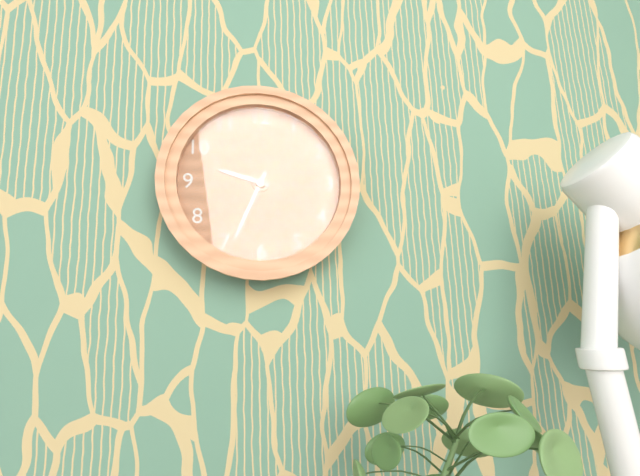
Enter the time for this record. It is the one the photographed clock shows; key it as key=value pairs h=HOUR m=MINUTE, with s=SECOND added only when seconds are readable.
h=9 m=34
